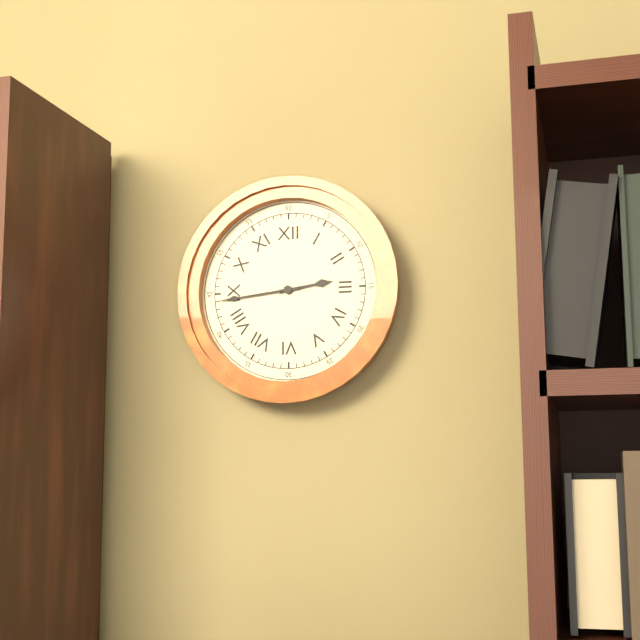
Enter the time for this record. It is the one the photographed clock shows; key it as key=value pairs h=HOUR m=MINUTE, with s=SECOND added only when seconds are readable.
h=2 m=44
